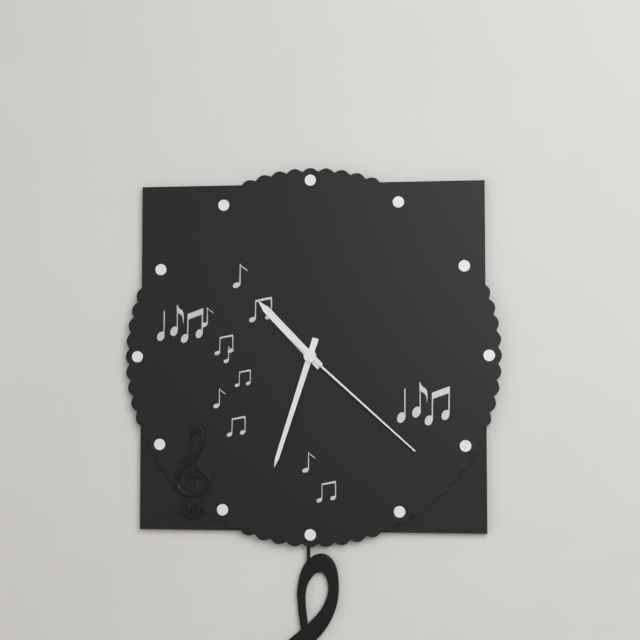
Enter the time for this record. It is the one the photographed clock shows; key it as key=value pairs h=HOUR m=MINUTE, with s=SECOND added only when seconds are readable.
h=10 m=33 s=22
